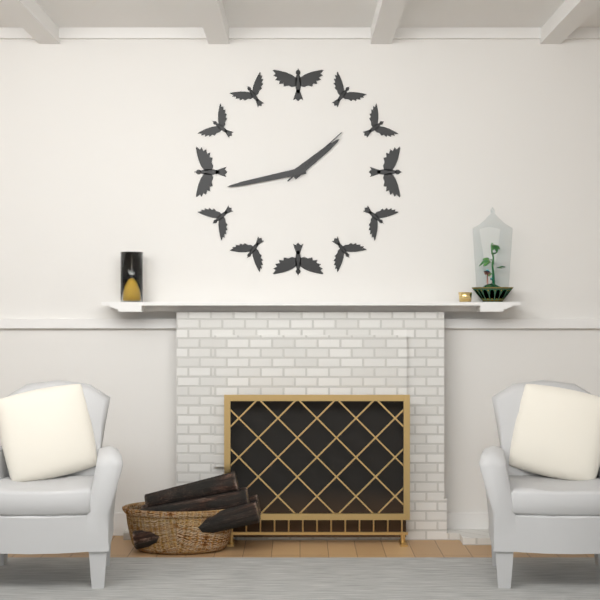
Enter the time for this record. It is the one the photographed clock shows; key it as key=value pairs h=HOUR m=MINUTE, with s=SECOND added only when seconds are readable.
h=1 m=43 s=8
